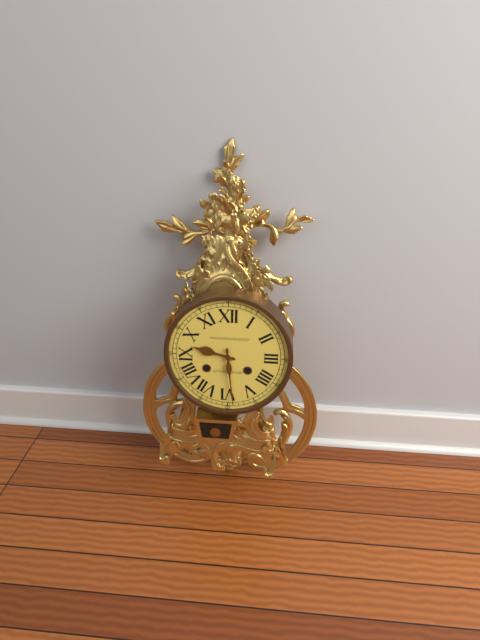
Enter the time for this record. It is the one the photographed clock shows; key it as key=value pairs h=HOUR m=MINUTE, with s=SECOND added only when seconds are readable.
h=9 m=29
